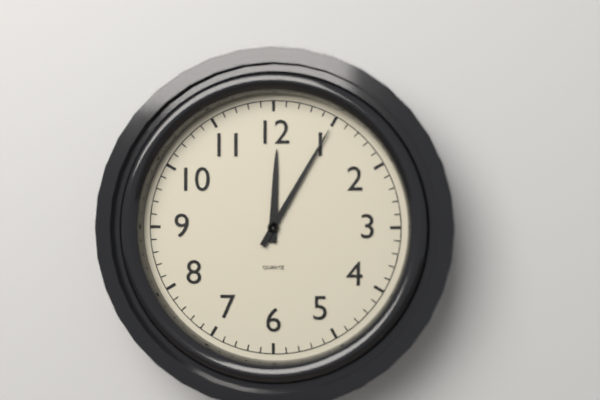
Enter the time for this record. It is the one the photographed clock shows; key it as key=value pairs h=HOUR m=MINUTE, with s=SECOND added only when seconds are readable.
h=12 m=5
